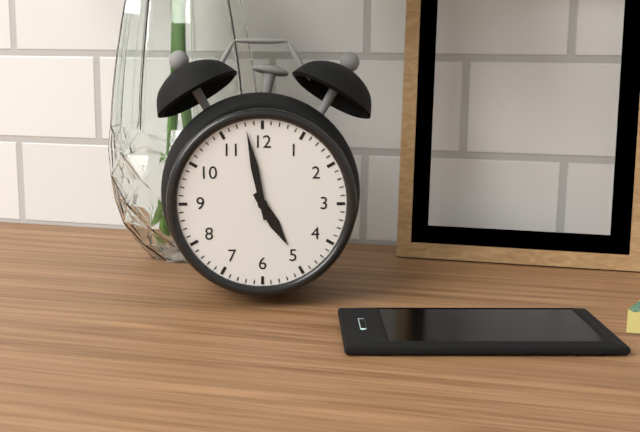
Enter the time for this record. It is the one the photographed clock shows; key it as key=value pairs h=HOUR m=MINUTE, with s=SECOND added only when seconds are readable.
h=4 m=58
